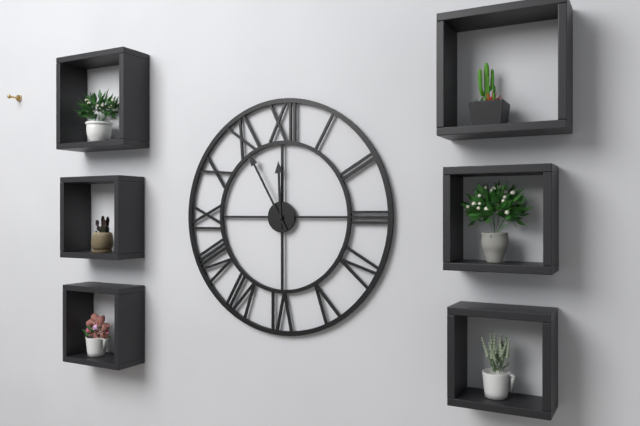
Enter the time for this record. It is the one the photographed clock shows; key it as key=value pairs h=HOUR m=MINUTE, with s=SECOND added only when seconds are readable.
h=11 m=55
